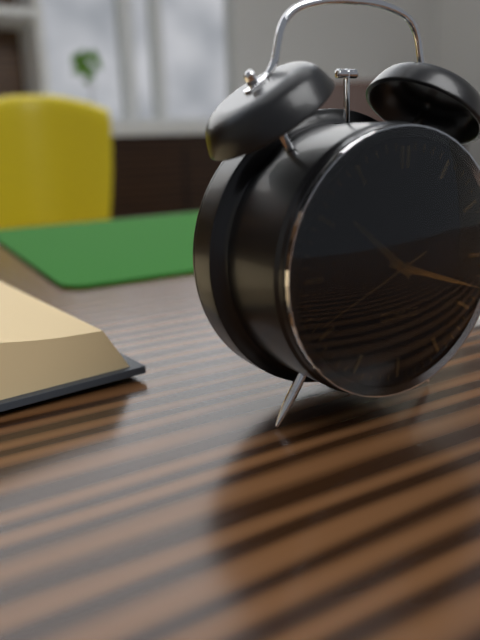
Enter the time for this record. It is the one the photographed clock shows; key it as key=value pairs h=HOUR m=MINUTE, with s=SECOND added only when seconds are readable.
h=10 m=18 s=41
